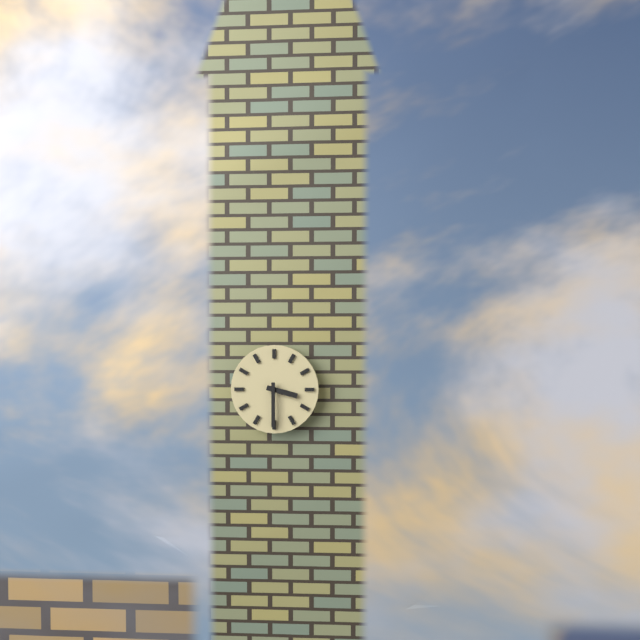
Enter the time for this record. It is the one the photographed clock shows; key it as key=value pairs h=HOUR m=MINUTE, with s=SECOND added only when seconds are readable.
h=3 m=30
